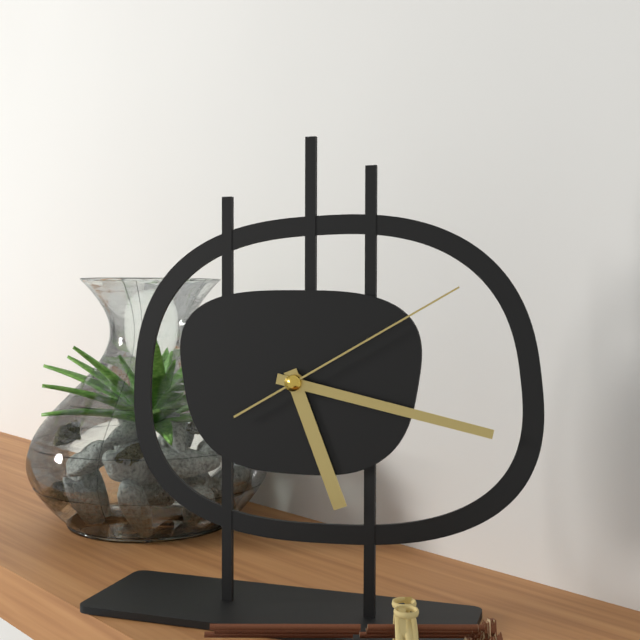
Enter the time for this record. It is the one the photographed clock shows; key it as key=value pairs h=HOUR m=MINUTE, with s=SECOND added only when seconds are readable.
h=5 m=17 s=10
